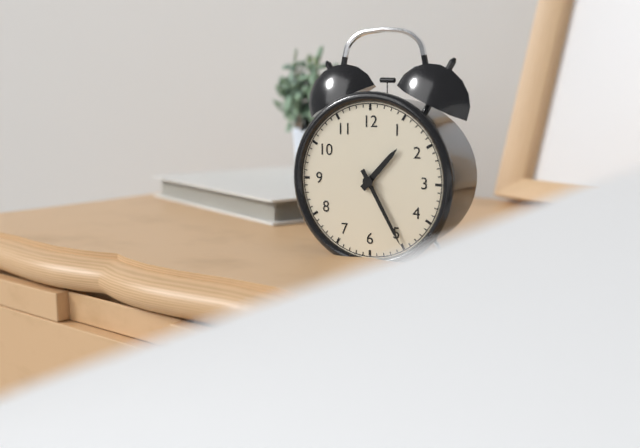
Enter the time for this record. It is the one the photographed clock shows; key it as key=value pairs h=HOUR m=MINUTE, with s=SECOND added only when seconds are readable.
h=1 m=25
